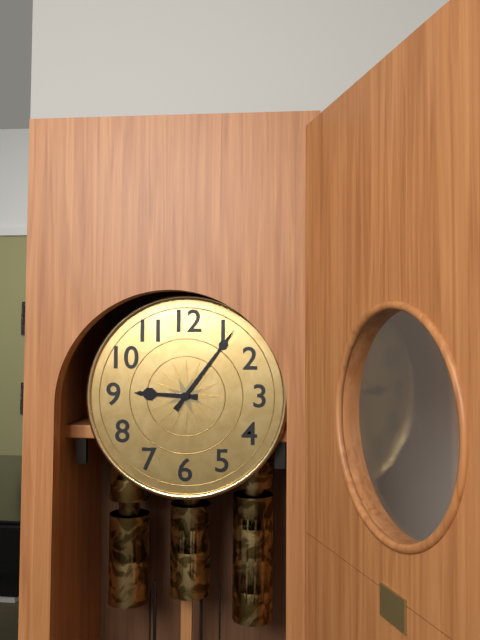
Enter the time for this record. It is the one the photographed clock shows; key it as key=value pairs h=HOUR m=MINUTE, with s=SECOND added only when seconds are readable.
h=9 m=6
